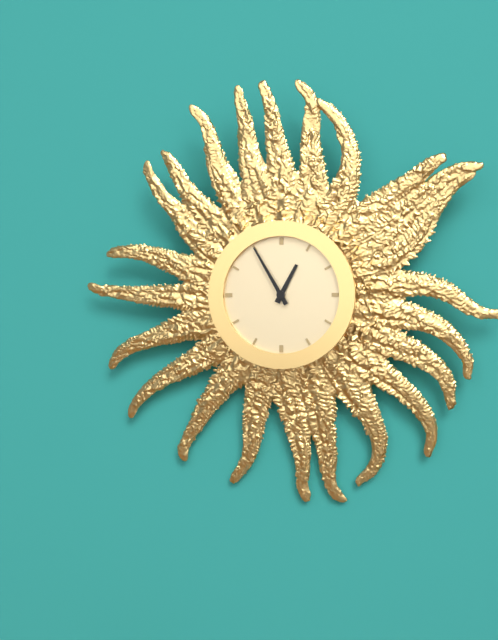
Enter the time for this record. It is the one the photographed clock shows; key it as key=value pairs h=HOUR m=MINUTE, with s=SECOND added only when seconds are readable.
h=12 m=55
